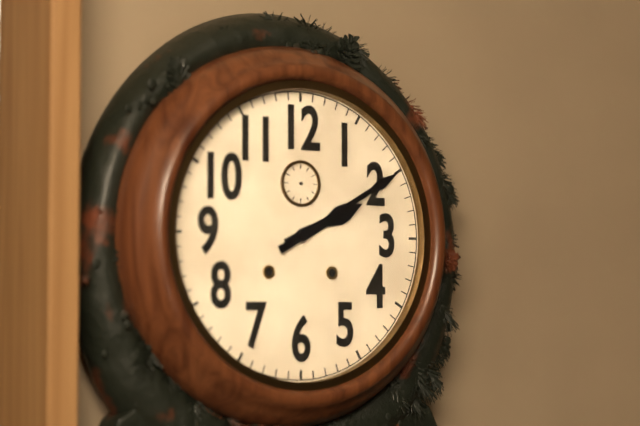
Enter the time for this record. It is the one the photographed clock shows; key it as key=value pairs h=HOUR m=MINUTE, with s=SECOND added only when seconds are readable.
h=2 m=10
